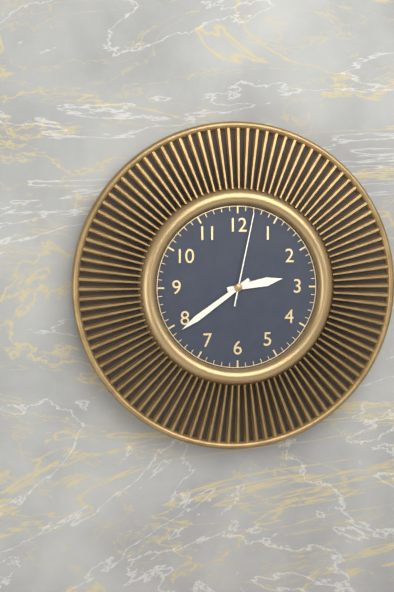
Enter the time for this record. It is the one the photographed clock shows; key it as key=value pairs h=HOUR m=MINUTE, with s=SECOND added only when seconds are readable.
h=2 m=39 s=2
